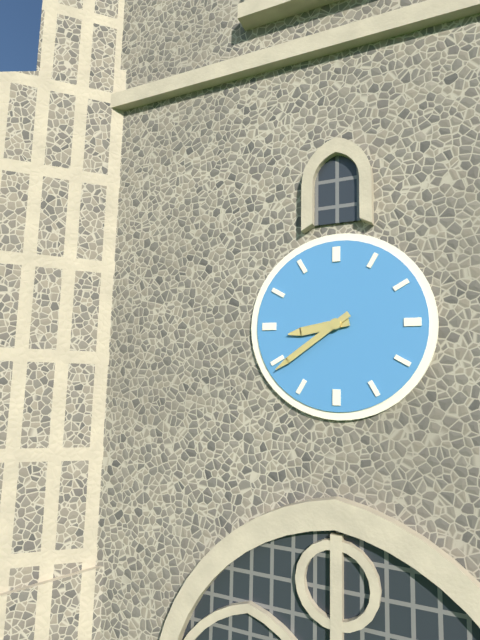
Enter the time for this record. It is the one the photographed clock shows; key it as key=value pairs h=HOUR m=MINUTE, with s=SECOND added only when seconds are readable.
h=8 m=39
